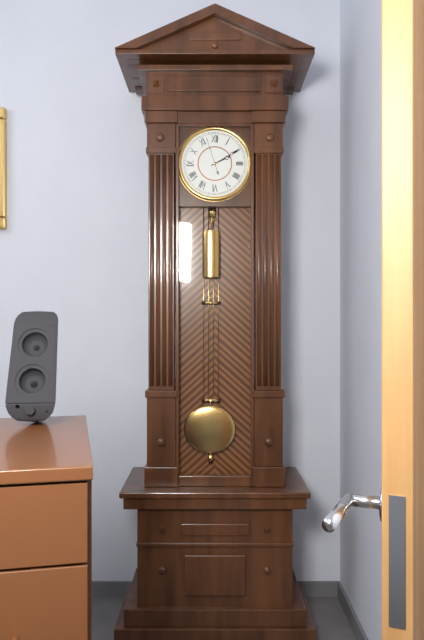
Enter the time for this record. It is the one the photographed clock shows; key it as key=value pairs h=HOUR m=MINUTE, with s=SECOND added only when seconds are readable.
h=2 m=10
